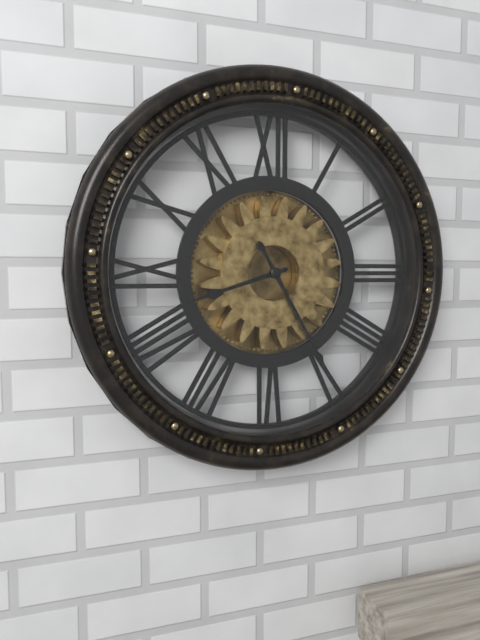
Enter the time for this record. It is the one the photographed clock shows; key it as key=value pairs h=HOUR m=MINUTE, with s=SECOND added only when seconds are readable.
h=8 m=25
